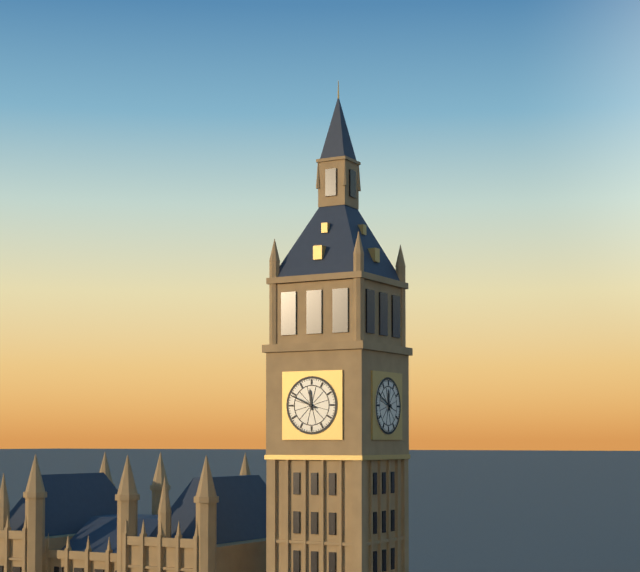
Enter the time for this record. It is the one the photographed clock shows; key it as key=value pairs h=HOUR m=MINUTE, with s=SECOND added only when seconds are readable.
h=11 m=49
